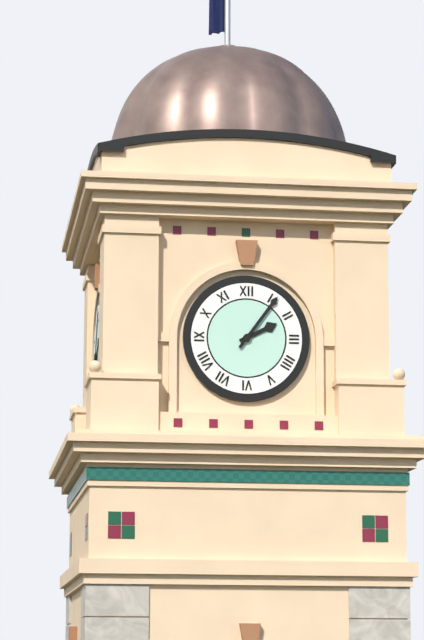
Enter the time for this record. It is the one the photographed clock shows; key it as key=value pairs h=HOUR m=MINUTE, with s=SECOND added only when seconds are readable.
h=2 m=6
